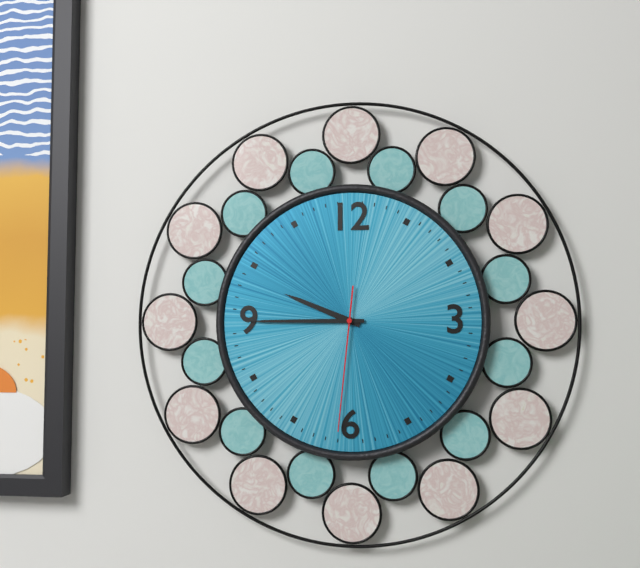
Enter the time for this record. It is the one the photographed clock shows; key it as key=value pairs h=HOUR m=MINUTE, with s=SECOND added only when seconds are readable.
h=9 m=45 s=31
